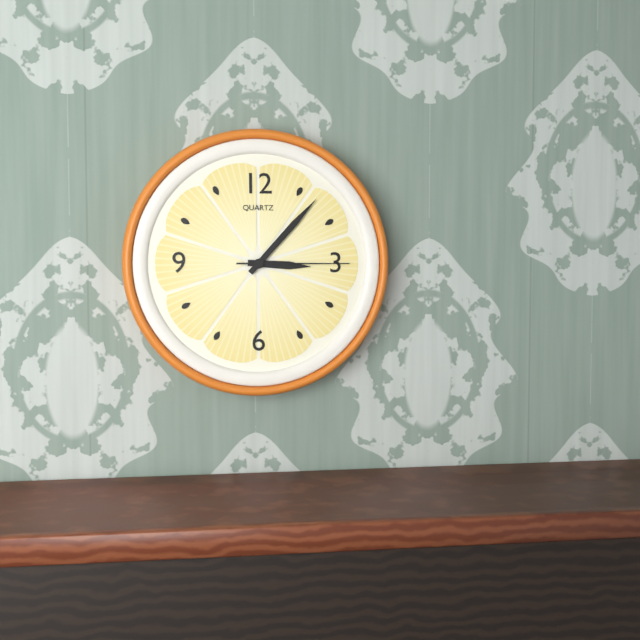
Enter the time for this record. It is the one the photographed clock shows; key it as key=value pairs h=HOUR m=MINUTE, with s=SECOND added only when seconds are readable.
h=3 m=7 s=15
